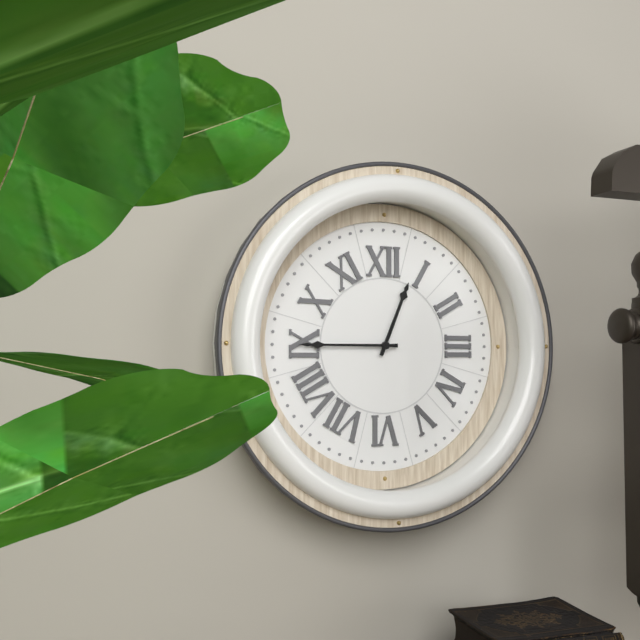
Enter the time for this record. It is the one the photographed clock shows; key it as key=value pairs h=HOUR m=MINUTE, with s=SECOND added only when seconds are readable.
h=12 m=45
